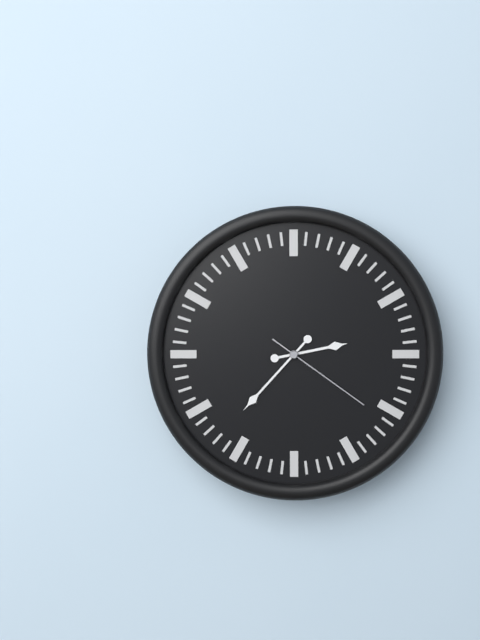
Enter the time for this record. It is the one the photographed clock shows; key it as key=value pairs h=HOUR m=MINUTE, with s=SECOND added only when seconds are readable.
h=2 m=37 s=21
